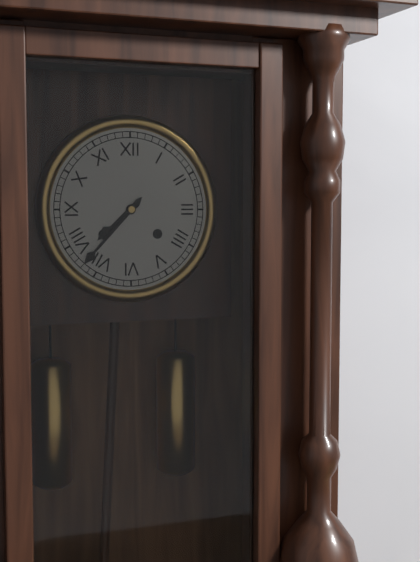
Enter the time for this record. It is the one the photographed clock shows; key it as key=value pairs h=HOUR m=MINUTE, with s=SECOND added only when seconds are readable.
h=7 m=37
